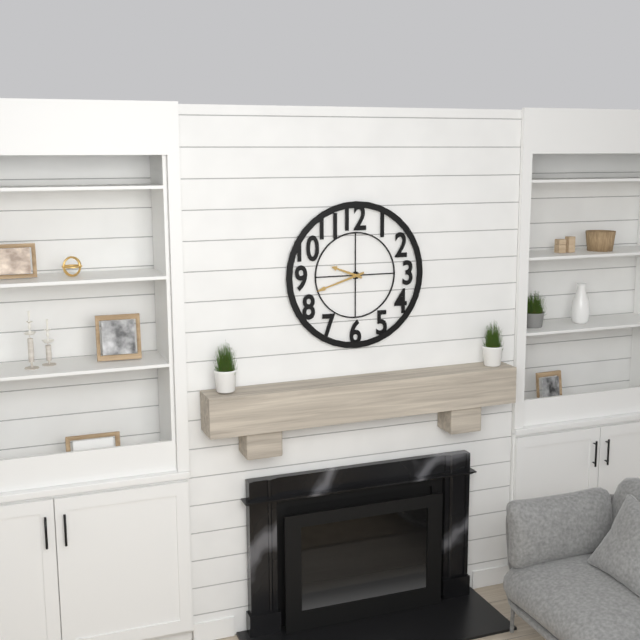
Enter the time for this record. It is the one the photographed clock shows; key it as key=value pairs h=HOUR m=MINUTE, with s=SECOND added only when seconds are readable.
h=9 m=42
